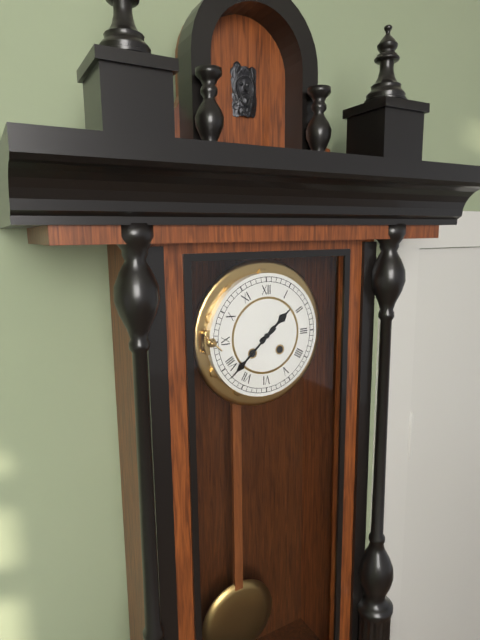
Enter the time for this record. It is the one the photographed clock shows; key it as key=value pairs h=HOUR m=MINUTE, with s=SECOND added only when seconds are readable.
h=1 m=38
